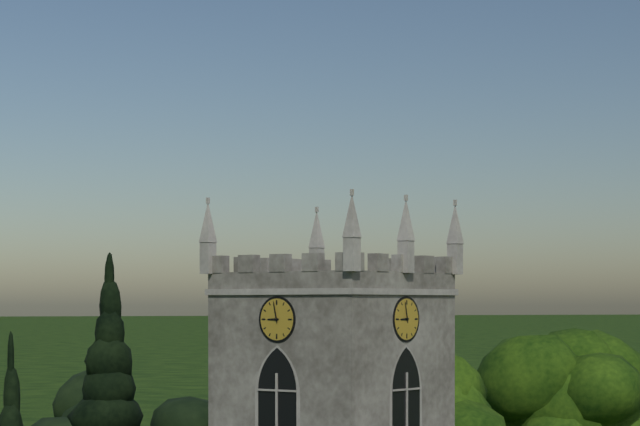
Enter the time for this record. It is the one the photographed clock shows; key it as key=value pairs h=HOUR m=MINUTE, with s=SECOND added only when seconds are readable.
h=8 m=58
